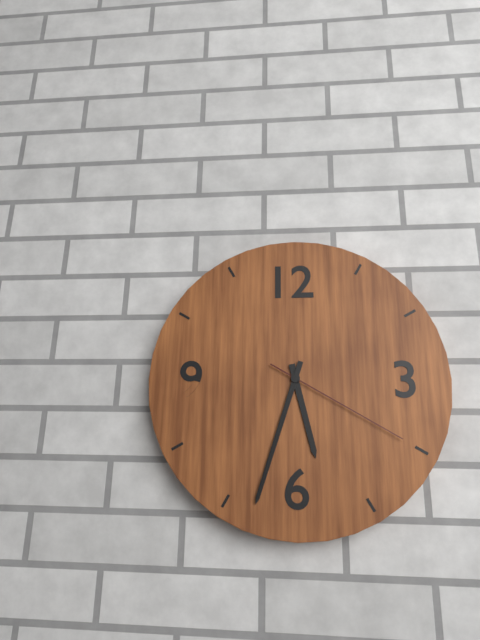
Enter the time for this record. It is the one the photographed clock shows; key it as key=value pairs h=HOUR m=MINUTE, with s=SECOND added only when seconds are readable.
h=5 m=33 s=20
